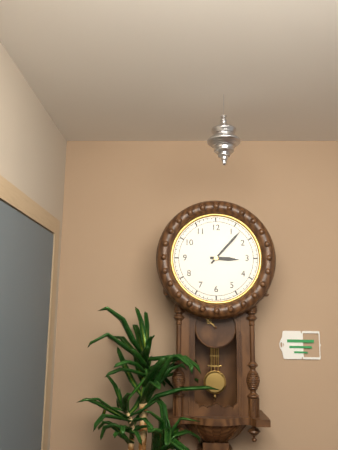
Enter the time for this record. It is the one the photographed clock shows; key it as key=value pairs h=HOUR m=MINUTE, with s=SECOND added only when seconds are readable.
h=3 m=7
